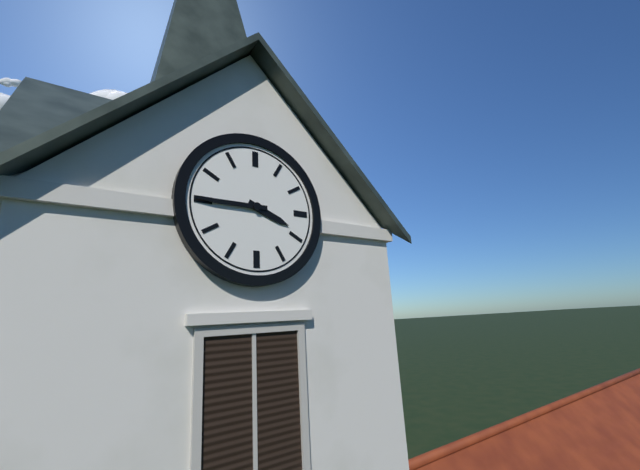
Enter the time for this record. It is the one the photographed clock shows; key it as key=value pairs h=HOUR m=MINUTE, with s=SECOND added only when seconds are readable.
h=3 m=45
